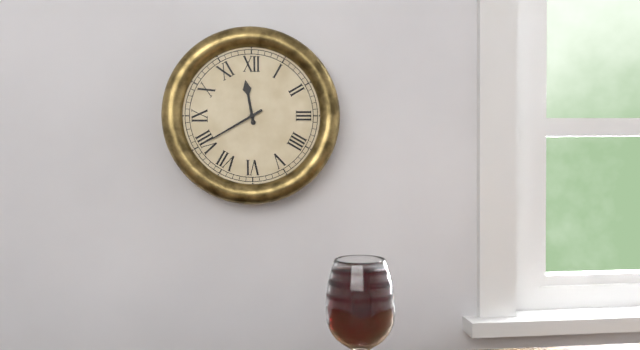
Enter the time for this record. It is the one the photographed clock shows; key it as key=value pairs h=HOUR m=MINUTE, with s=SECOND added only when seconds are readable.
h=11 m=40
